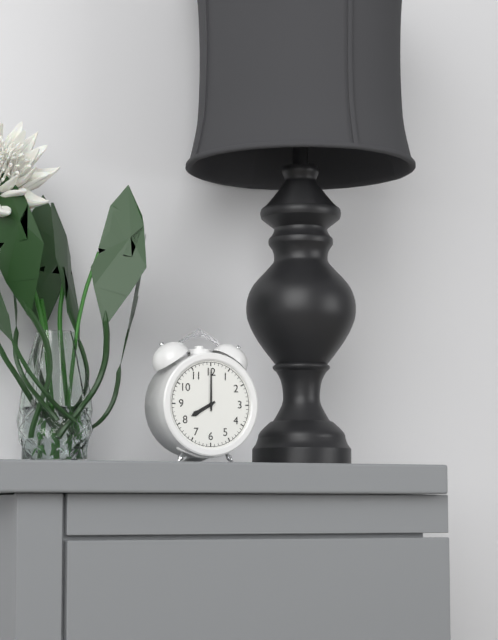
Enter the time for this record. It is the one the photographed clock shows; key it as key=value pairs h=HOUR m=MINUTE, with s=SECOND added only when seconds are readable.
h=8 m=0
